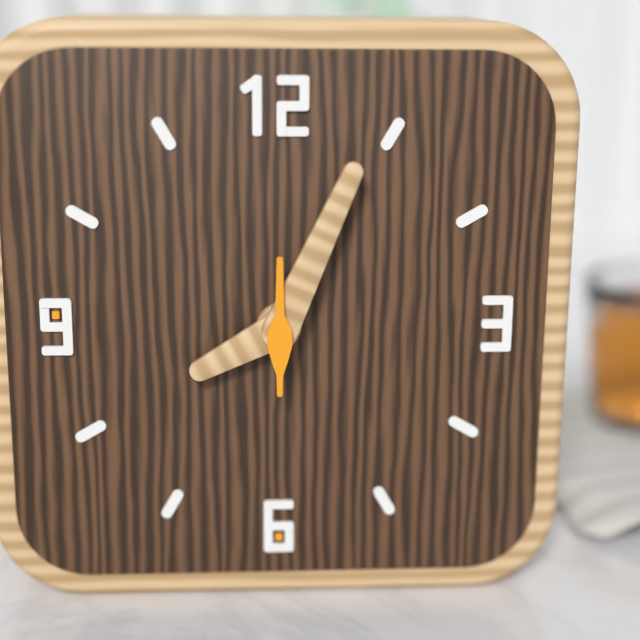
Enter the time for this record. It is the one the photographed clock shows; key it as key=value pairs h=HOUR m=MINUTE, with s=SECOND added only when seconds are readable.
h=8 m=4 s=0
